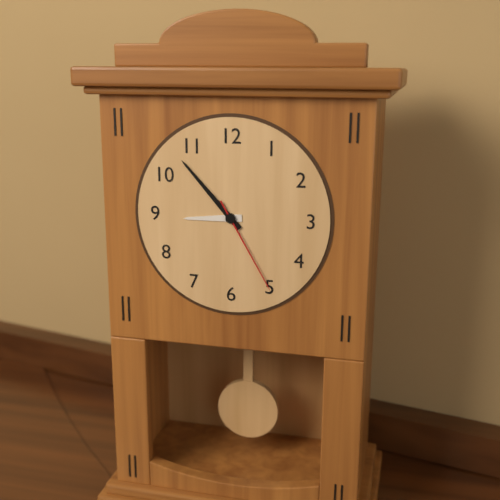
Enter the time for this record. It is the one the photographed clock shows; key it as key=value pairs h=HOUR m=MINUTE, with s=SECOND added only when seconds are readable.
h=8 m=53 s=25
